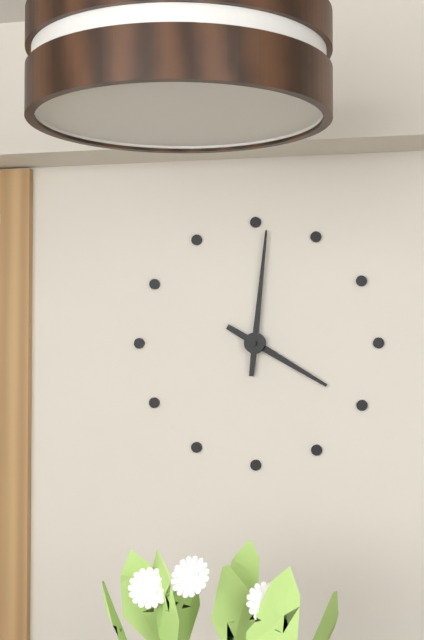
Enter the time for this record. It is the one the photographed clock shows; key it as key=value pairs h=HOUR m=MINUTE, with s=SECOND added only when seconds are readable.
h=4 m=1
